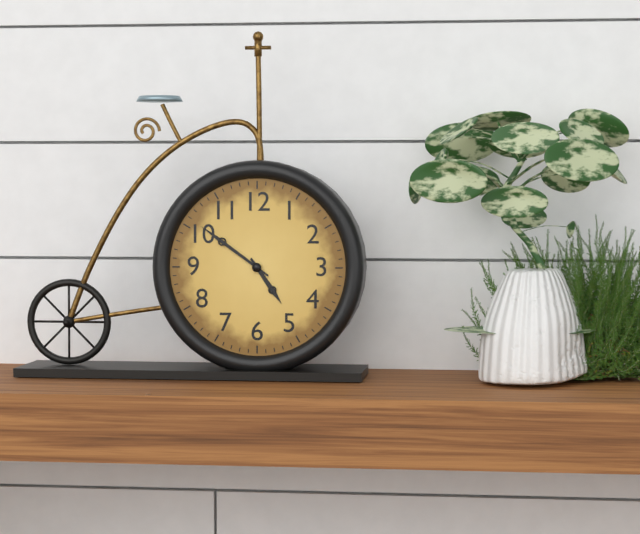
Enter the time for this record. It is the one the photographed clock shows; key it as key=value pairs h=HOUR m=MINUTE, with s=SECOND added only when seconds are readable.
h=4 m=51
